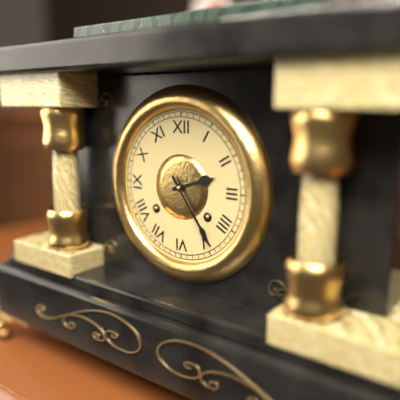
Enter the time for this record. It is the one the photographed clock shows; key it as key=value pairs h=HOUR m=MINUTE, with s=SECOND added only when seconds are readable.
h=2 m=24
